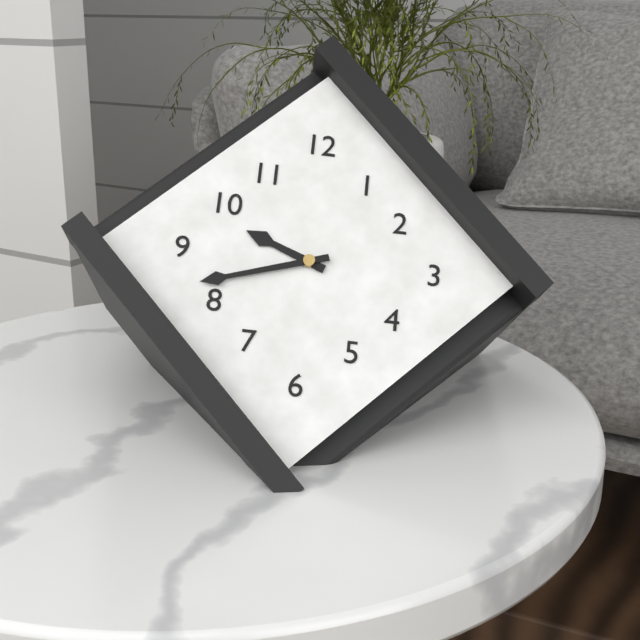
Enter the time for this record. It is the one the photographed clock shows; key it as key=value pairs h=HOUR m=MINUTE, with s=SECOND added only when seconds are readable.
h=9 m=42
